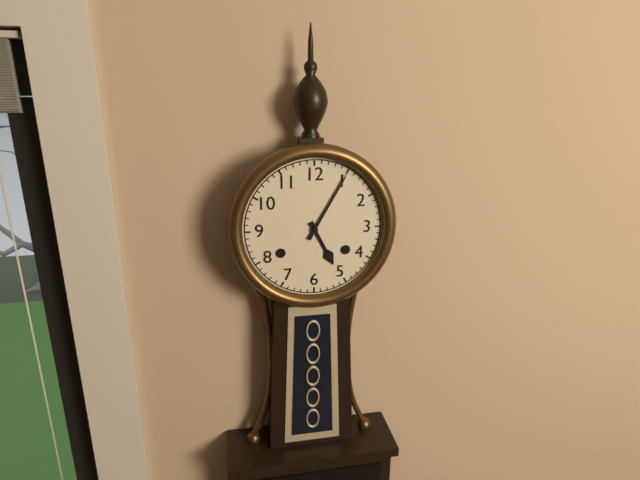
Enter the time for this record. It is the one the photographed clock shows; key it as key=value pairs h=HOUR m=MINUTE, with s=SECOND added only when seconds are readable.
h=5 m=5
